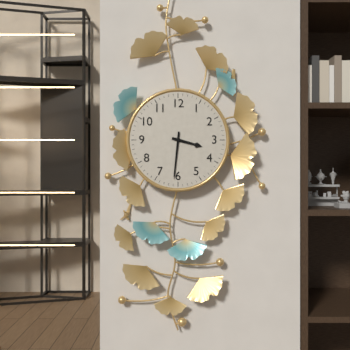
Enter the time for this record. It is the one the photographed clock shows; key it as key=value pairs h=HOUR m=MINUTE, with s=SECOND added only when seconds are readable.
h=3 m=31
